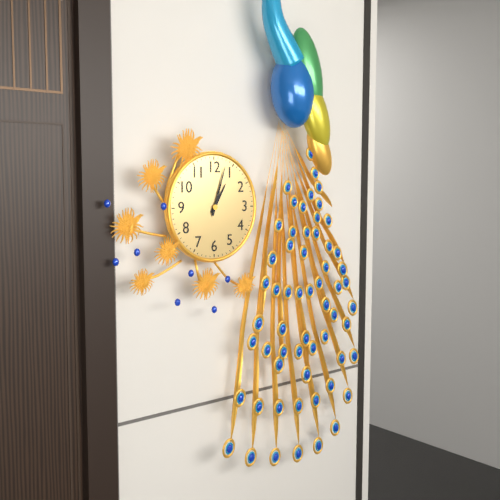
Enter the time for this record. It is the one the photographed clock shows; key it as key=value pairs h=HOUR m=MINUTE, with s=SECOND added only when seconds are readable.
h=1 m=3
